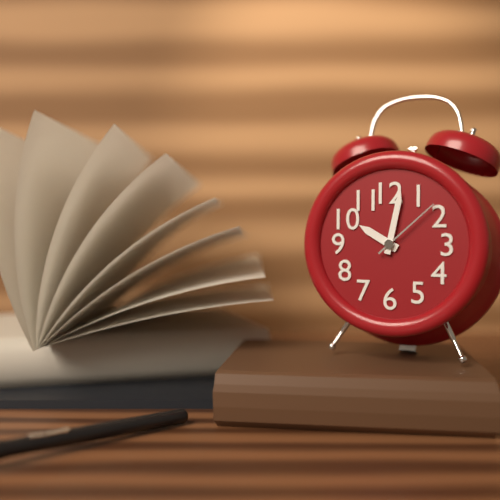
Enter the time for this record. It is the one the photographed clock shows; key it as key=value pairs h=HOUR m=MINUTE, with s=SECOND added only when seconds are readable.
h=10 m=2 s=8
